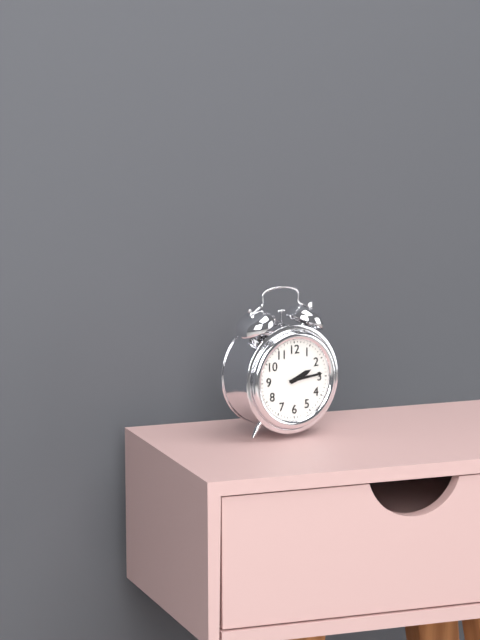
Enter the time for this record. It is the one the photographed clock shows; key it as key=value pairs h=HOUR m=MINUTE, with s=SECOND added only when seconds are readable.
h=2 m=14
